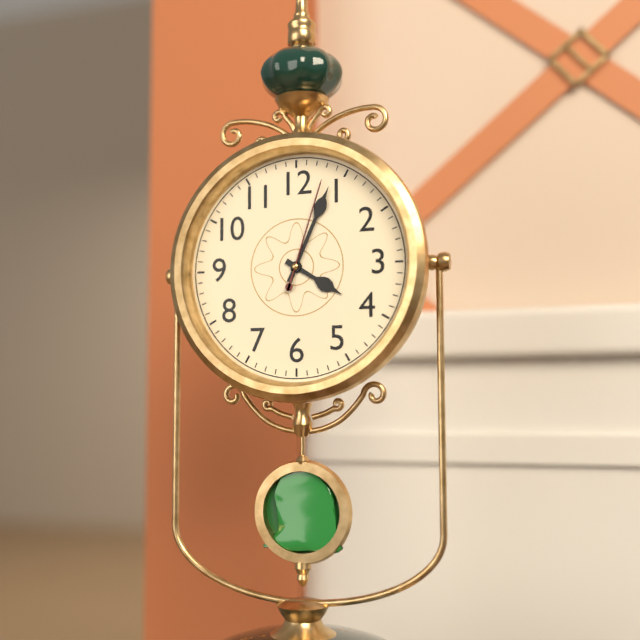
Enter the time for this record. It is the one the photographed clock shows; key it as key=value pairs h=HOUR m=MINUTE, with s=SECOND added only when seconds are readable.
h=4 m=4 s=3
